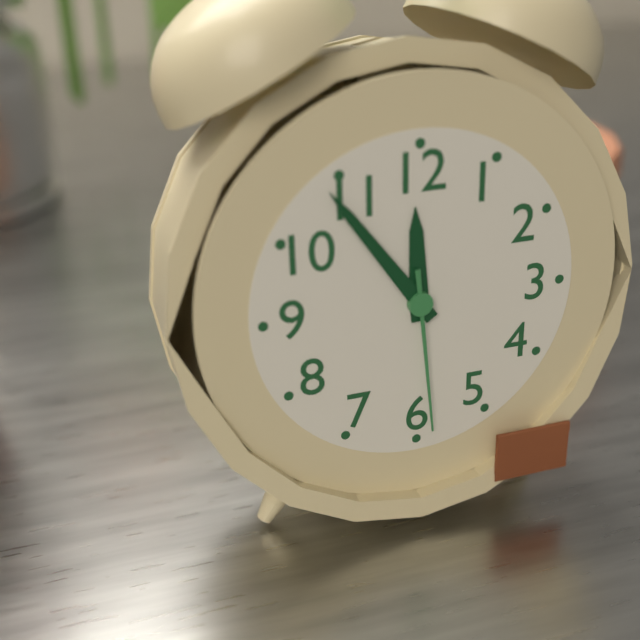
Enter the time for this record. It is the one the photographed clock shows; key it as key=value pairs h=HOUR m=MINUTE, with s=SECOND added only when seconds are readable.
h=11 m=54 s=29
